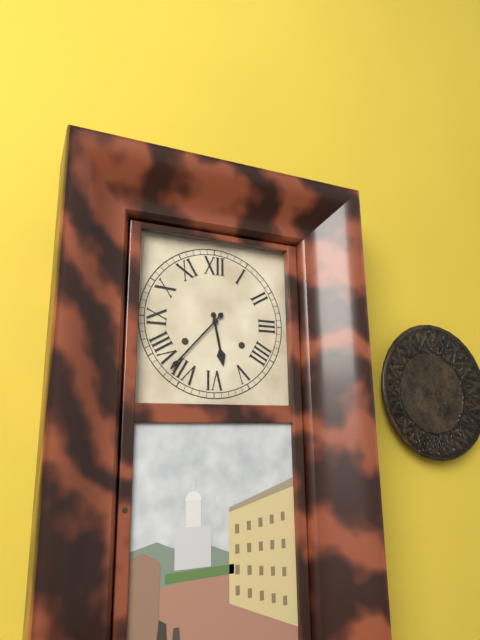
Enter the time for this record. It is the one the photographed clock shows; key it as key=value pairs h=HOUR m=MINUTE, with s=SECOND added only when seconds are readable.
h=5 m=37
